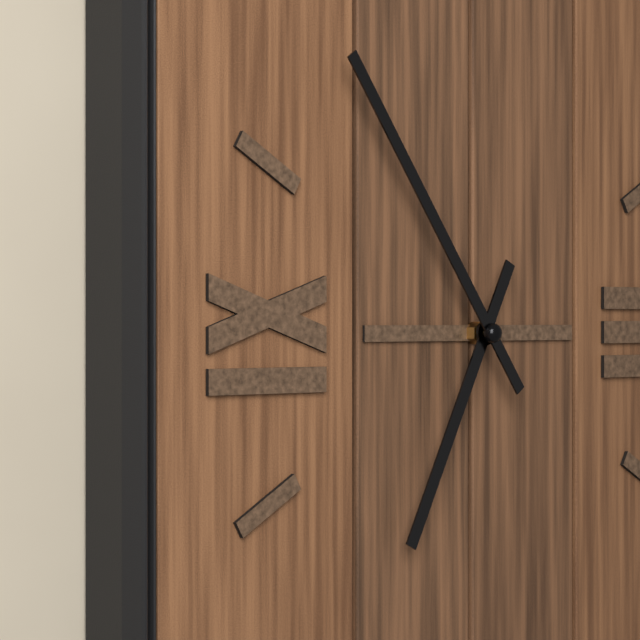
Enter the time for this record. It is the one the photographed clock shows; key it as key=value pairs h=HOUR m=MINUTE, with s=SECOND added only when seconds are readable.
h=6 m=54
